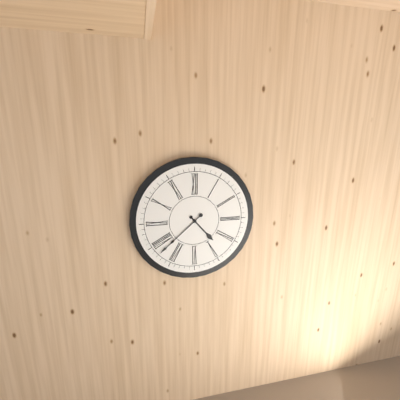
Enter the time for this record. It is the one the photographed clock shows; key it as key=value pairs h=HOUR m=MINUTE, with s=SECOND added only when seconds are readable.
h=4 m=38
